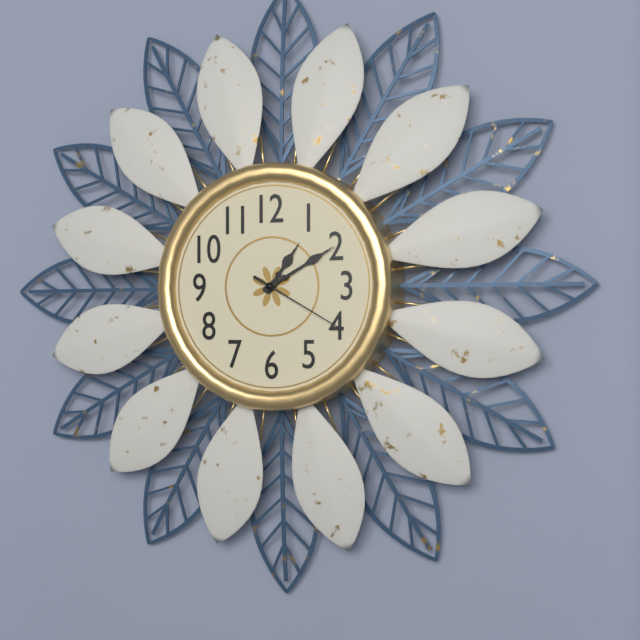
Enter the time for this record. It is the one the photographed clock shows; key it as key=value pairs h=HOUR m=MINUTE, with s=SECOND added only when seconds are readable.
h=1 m=10 s=20
